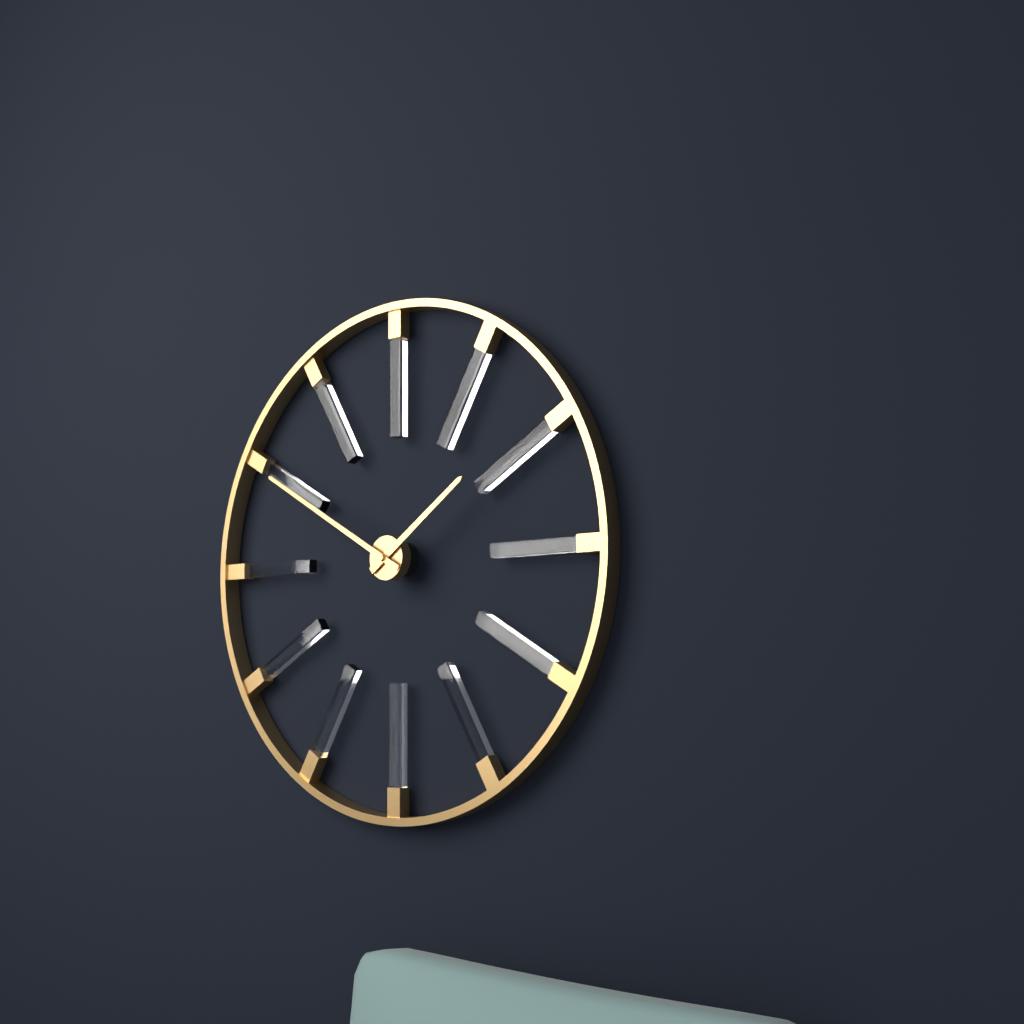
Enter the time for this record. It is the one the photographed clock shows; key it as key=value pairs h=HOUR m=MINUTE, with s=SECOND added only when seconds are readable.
h=1 m=50
